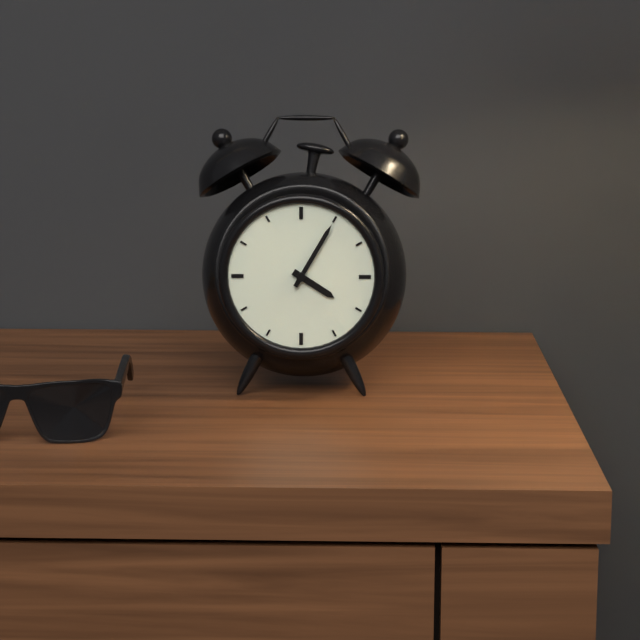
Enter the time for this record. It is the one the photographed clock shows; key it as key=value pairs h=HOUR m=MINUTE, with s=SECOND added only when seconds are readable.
h=4 m=5
